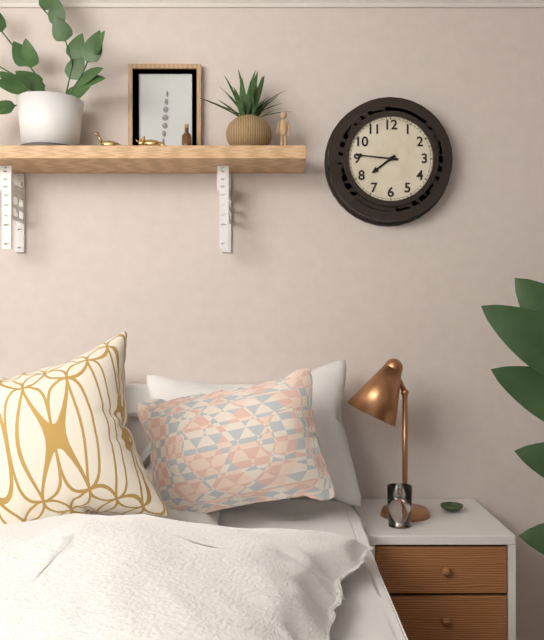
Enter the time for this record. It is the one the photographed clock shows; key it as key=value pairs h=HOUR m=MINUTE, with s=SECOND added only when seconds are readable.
h=7 m=46
